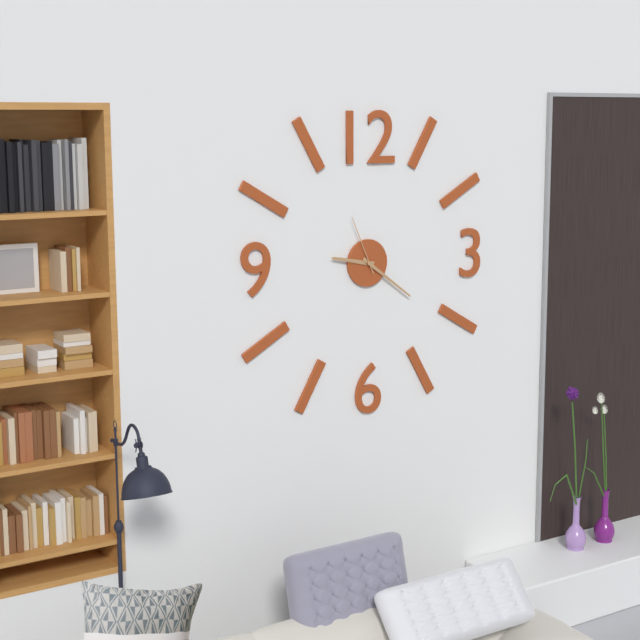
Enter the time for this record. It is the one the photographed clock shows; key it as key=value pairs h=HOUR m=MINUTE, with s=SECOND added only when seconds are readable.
h=9 m=21 s=56
